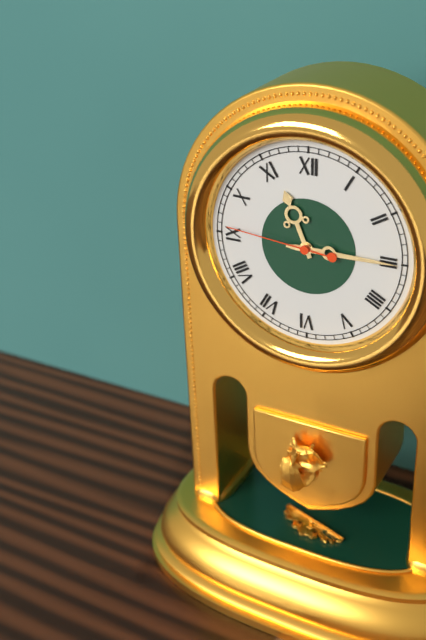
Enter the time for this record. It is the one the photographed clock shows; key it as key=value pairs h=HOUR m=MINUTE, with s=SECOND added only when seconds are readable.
h=11 m=15 s=46
